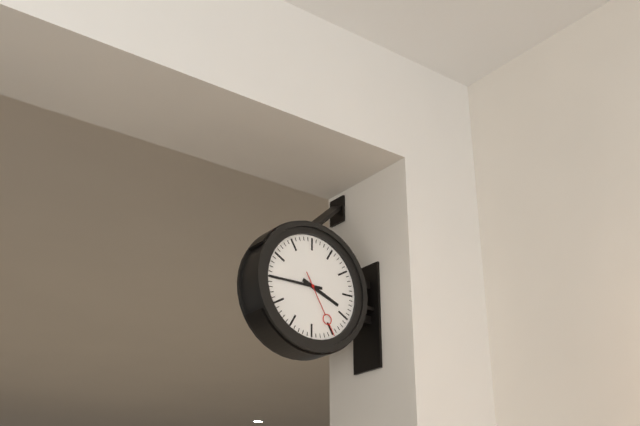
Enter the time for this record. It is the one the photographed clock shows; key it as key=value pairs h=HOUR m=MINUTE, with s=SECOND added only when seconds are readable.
h=3 m=45 s=25
